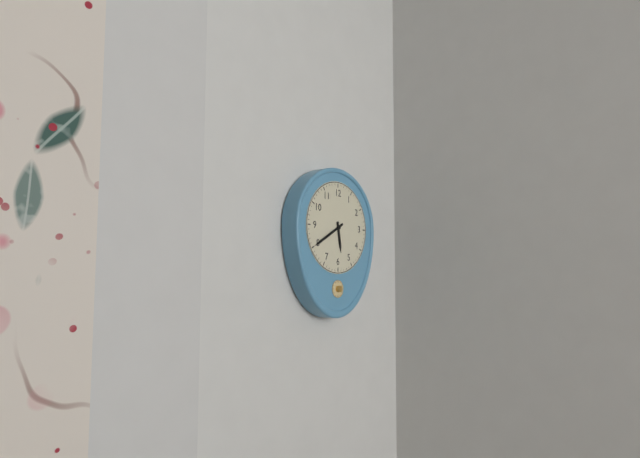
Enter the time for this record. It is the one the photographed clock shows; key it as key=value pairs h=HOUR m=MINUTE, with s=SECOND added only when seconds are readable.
h=5 m=40
